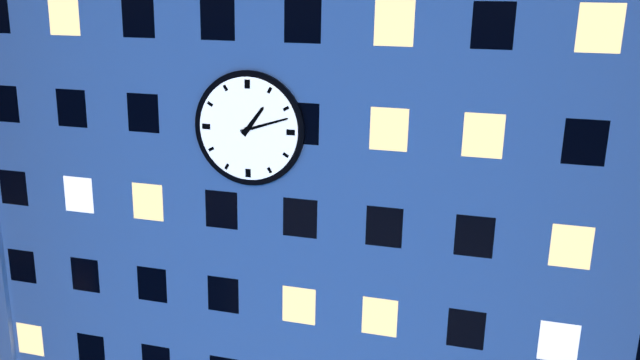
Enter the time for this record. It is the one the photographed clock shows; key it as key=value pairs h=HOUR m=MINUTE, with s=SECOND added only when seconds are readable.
h=1 m=12
